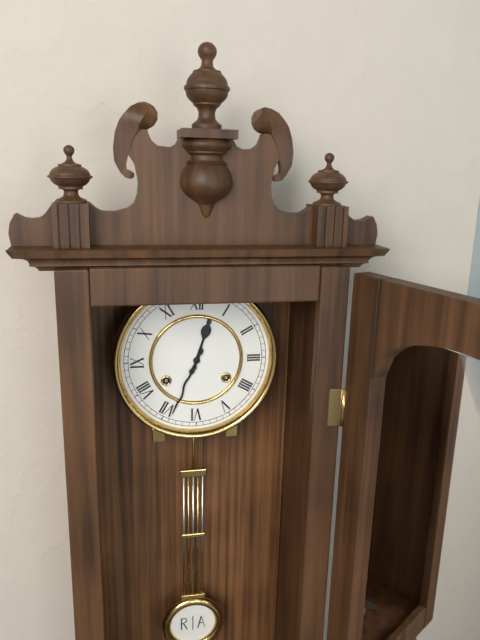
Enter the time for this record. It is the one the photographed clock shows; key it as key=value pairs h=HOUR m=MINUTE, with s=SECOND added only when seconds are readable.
h=12 m=34
